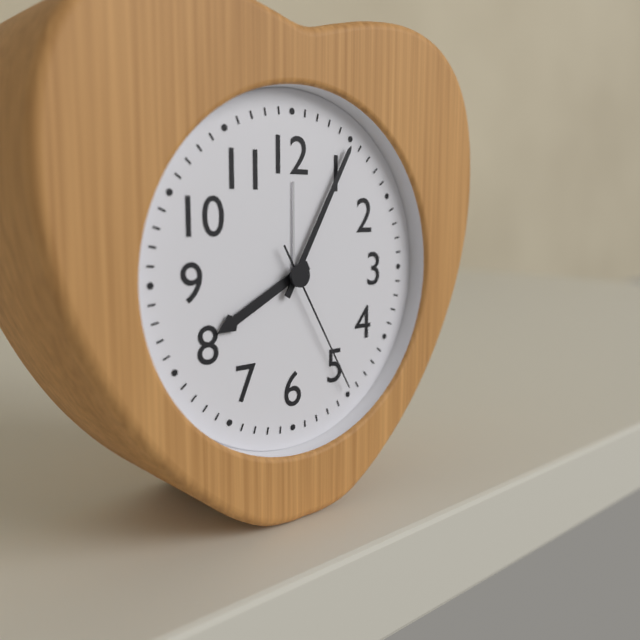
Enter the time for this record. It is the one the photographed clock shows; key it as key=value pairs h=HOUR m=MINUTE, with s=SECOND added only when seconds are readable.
h=8 m=5 s=25
